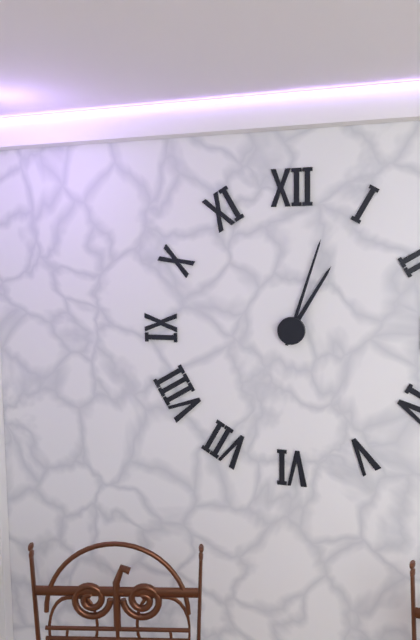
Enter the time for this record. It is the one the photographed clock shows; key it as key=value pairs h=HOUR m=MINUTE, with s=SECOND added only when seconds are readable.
h=1 m=3
